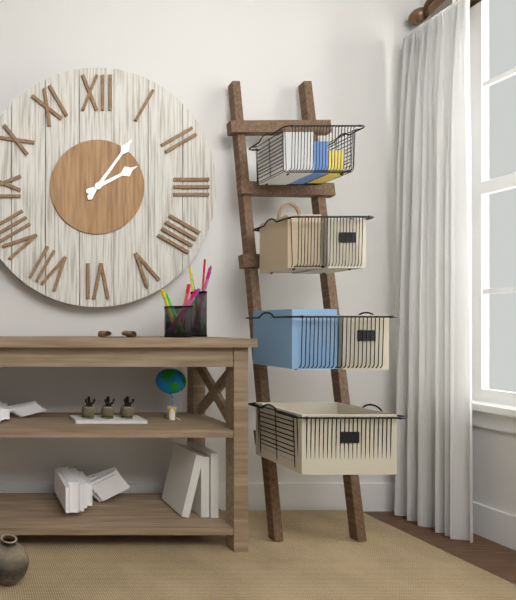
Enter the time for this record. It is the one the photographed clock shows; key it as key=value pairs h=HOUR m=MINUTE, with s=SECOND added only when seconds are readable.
h=2 m=6
